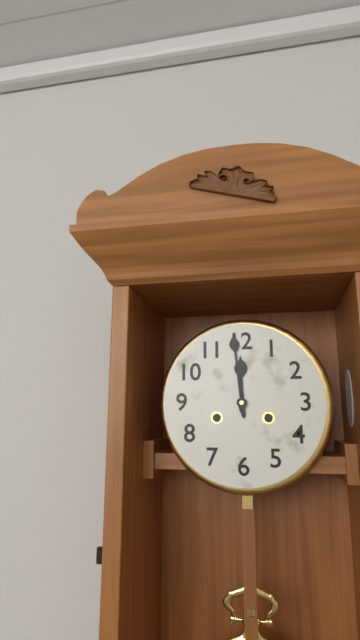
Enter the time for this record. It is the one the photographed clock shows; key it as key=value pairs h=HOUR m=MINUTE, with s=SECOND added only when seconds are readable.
h=11 m=59
